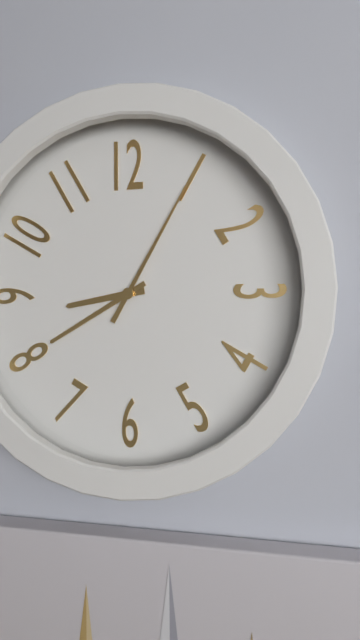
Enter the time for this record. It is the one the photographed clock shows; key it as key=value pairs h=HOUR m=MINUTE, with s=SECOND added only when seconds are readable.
h=8 m=40 s=5
